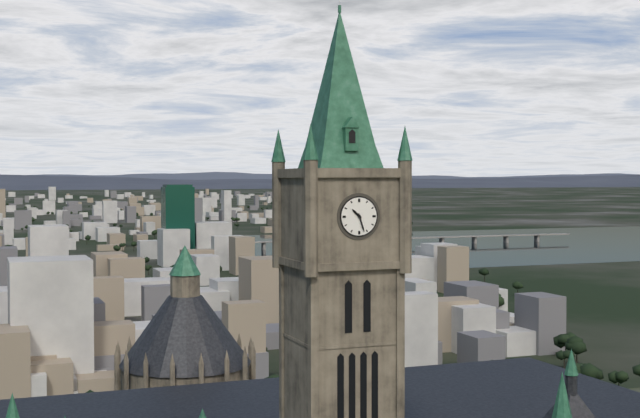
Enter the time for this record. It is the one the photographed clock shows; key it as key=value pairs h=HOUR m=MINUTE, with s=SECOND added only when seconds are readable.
h=10 m=27
